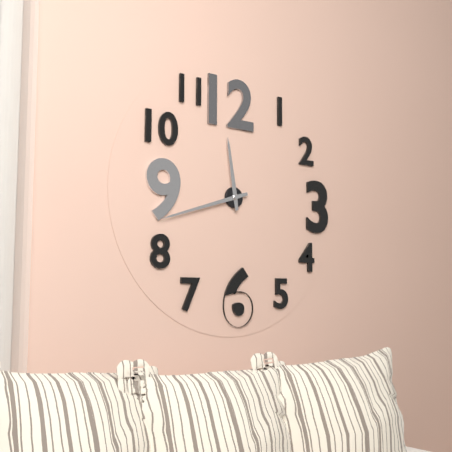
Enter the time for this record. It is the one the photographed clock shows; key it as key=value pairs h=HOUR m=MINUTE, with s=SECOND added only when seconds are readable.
h=11 m=42
